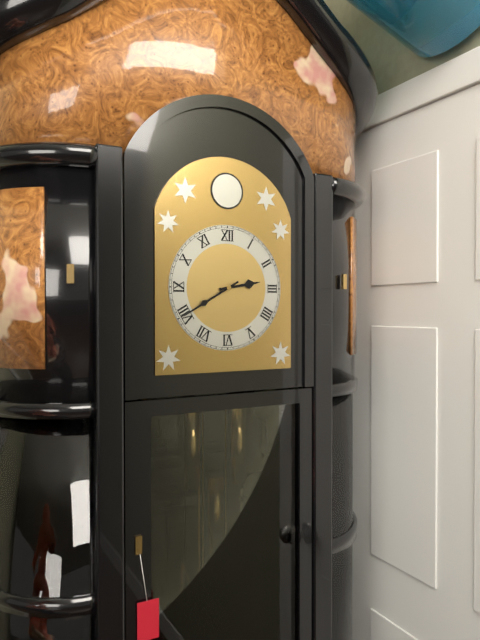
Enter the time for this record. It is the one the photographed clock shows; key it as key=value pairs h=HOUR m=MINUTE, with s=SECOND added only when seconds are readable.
h=2 m=40
